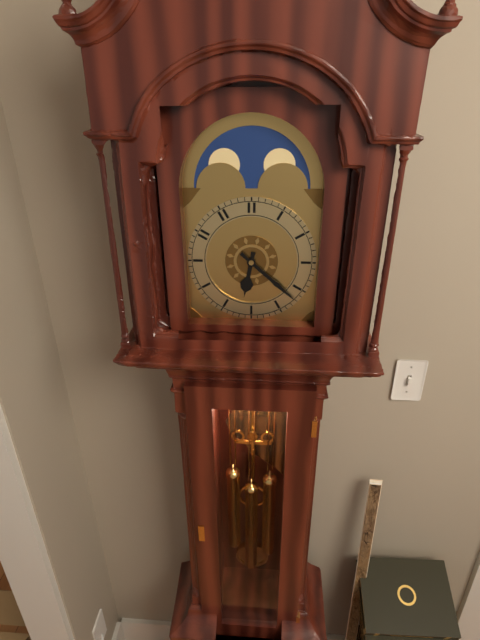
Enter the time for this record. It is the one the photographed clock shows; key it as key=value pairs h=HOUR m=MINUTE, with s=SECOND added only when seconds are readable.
h=6 m=22
